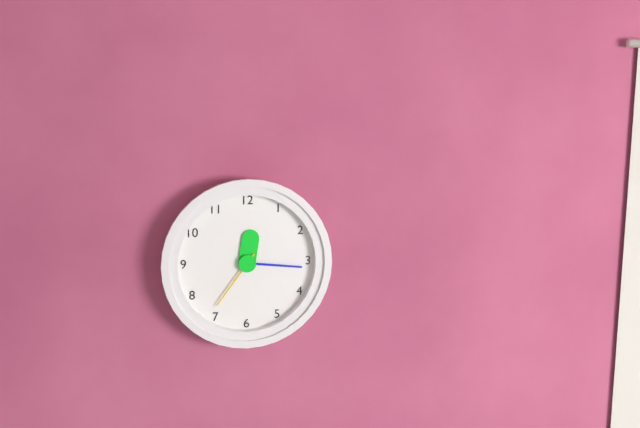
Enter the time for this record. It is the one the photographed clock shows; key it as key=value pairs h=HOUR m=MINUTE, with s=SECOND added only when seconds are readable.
h=12 m=16 s=36
